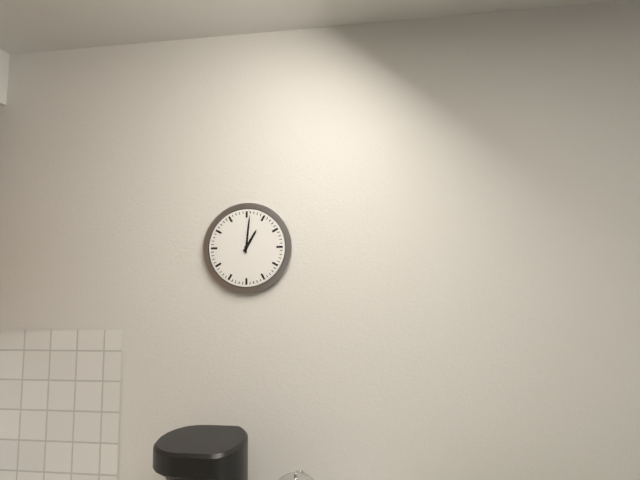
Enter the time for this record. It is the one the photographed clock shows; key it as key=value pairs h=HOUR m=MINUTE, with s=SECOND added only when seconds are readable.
h=1 m=1
